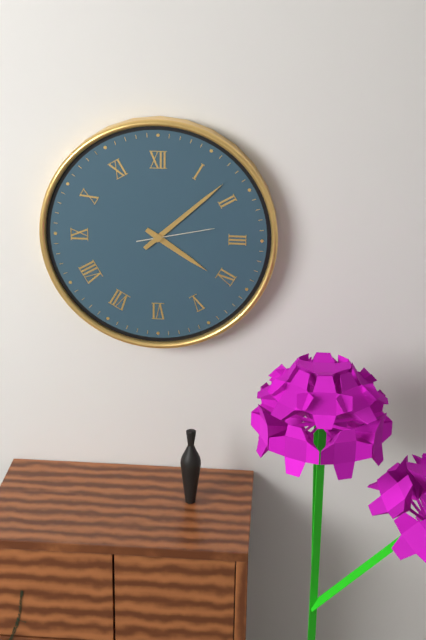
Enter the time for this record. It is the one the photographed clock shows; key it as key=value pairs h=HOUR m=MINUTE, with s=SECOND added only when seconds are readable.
h=4 m=8 s=13
